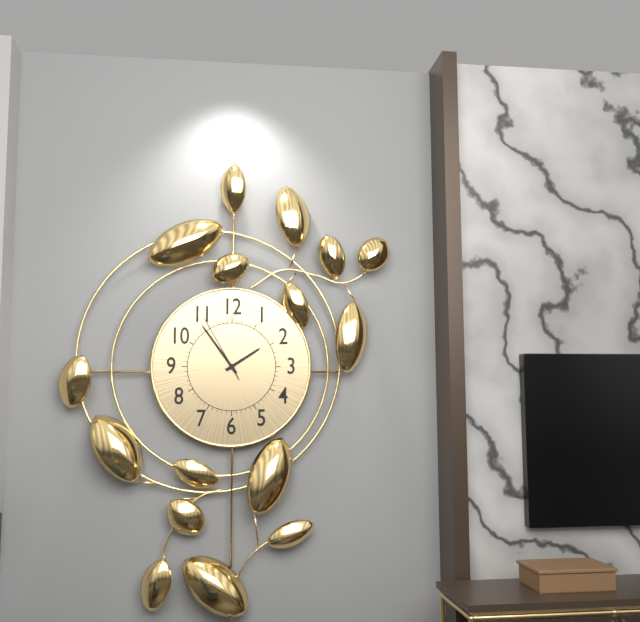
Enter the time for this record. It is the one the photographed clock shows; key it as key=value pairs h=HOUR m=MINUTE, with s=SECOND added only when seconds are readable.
h=1 m=54 s=55
